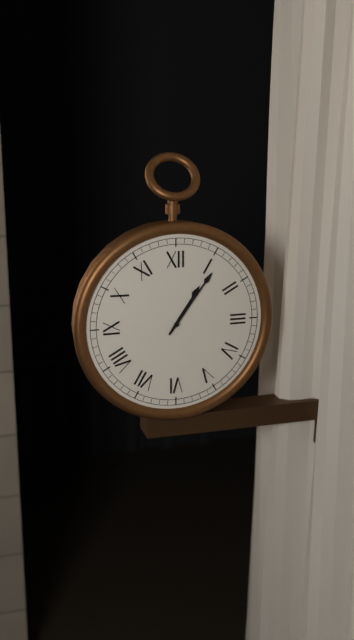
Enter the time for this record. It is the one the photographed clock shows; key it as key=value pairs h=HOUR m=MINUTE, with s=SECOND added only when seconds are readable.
h=1 m=6
